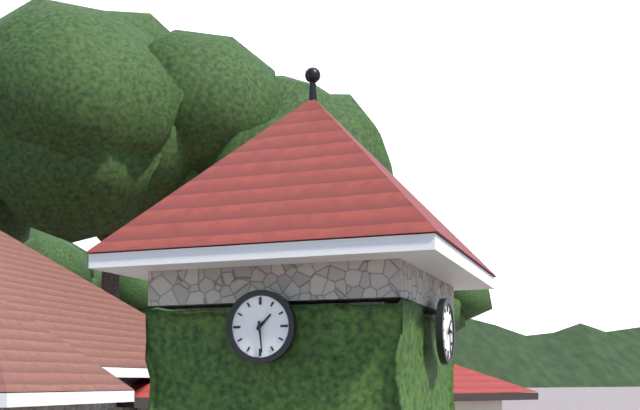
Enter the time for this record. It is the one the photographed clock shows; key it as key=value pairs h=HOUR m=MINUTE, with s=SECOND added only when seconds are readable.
h=1 m=29
